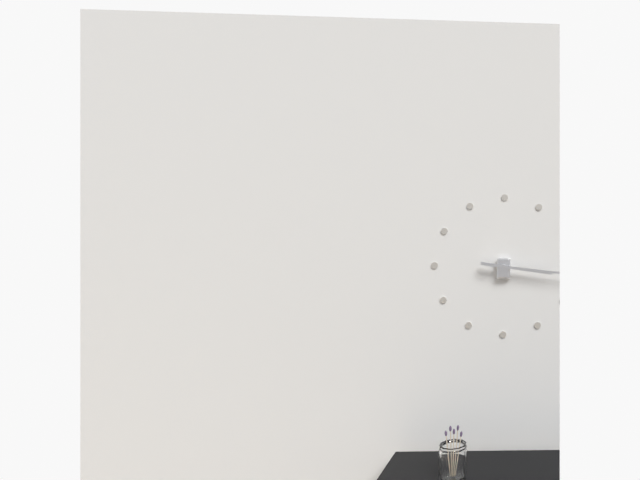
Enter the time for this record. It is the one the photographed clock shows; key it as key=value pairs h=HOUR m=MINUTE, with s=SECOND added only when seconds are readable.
h=3 m=16
